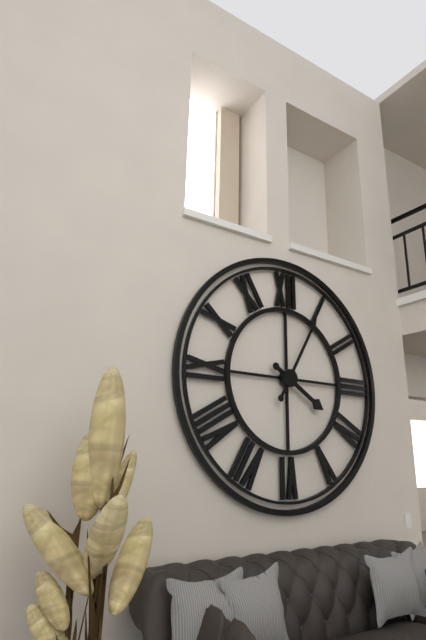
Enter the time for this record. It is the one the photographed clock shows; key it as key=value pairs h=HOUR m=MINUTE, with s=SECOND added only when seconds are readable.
h=4 m=5
